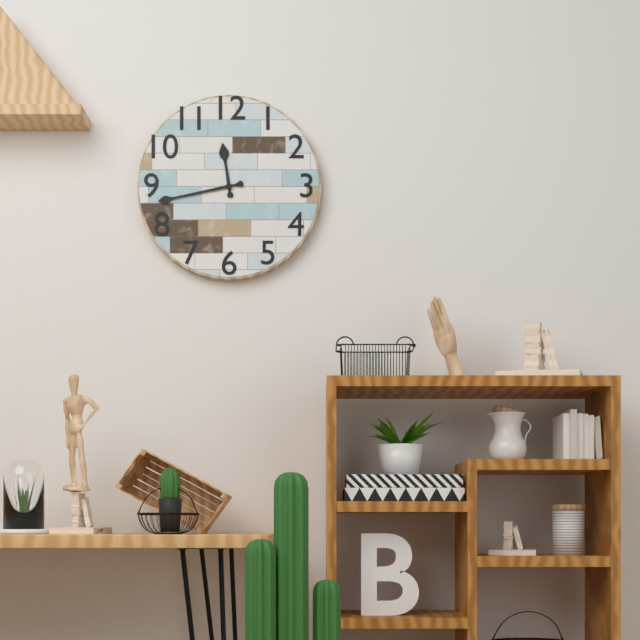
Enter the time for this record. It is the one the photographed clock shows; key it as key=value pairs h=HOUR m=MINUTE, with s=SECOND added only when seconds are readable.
h=11 m=43
